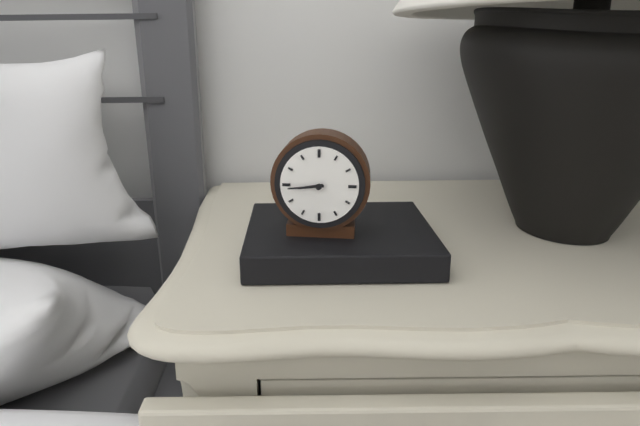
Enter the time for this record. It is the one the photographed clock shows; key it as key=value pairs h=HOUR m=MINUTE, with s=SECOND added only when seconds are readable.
h=8 m=44
